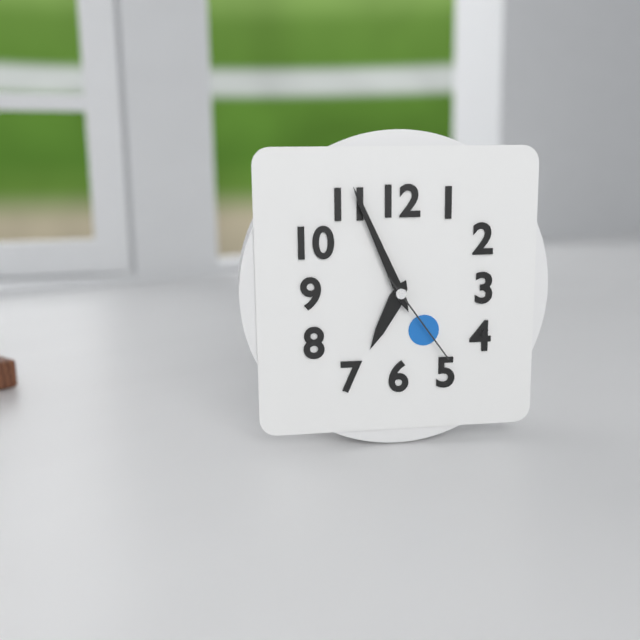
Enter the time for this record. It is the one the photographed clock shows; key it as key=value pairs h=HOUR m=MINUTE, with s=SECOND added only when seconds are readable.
h=6 m=56 s=24
